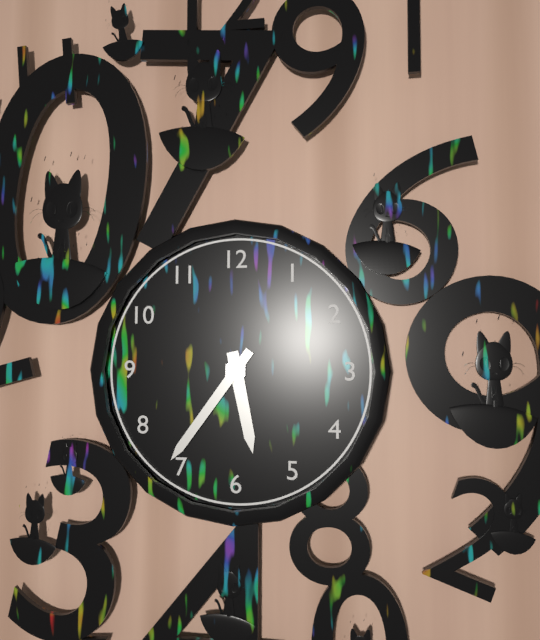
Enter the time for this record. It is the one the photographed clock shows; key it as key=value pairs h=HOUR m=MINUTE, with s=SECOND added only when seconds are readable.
h=5 m=36
